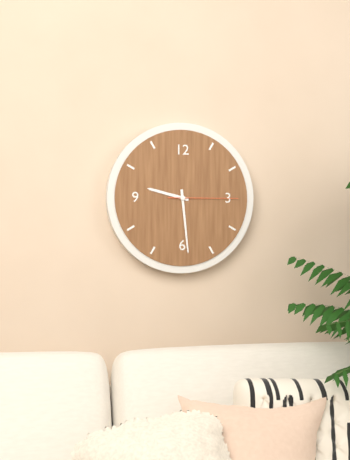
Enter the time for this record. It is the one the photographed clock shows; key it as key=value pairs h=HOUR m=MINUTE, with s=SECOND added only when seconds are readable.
h=9 m=29 s=15
